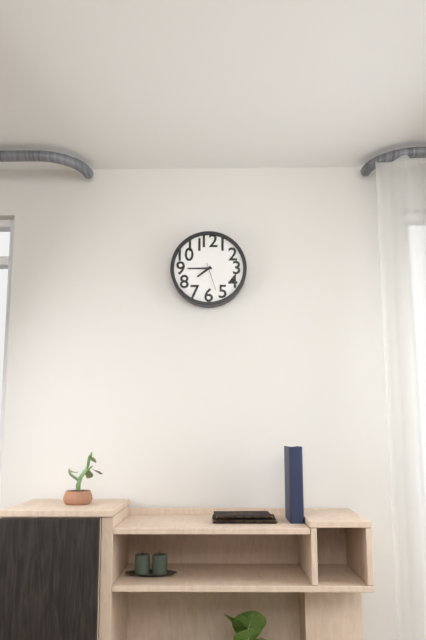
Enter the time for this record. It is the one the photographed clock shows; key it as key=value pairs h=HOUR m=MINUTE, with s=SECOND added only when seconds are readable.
h=7 m=45
